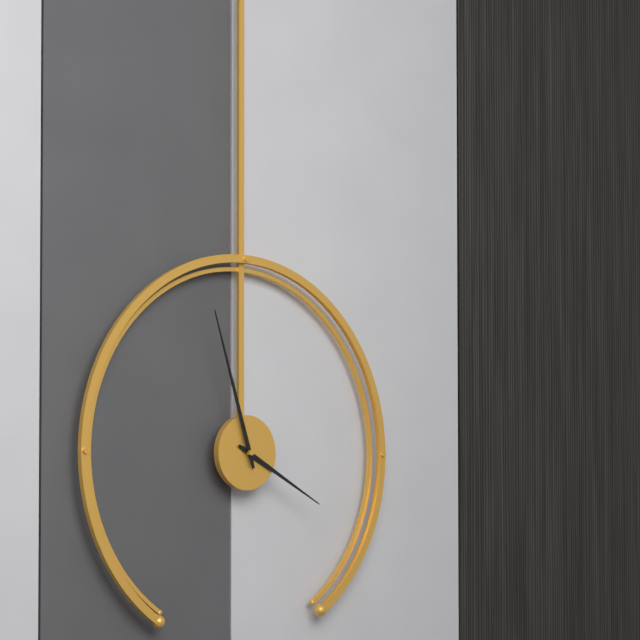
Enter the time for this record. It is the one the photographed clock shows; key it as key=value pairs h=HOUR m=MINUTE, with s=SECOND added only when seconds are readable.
h=3 m=57
